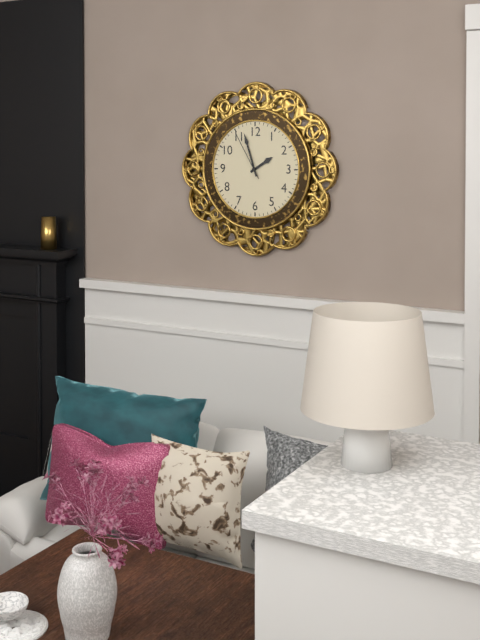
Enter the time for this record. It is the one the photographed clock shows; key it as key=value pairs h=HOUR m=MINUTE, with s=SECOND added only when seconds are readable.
h=1 m=57 s=55
